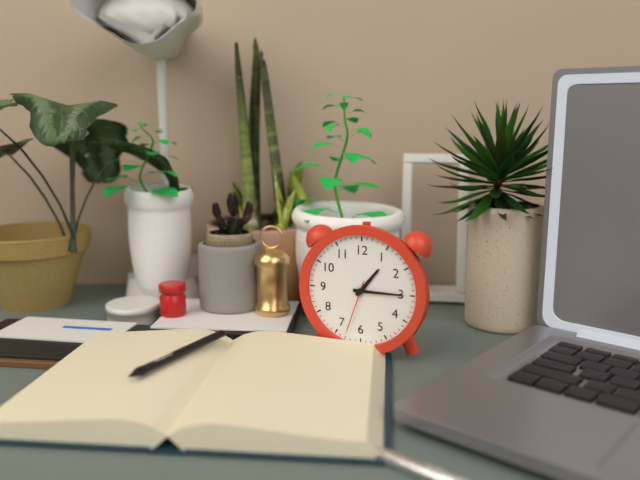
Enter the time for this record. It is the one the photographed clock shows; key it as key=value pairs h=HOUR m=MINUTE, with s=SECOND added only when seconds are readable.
h=1 m=15 s=33
